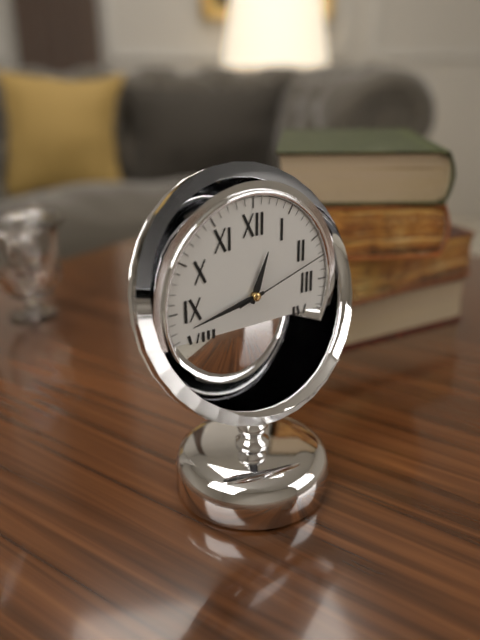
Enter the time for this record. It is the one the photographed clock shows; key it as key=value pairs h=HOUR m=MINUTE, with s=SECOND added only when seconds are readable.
h=12 m=43 s=12
